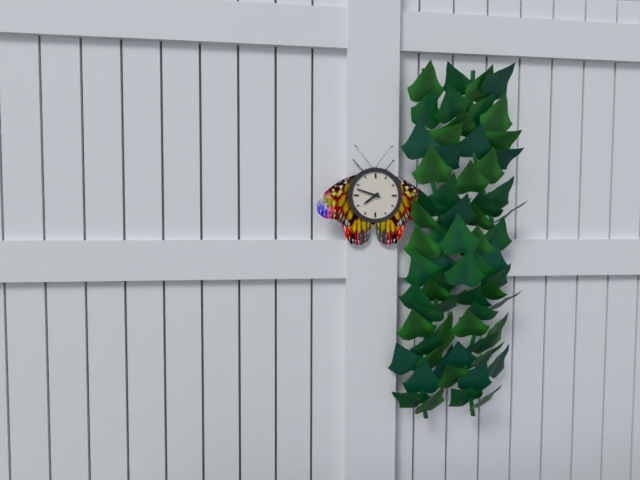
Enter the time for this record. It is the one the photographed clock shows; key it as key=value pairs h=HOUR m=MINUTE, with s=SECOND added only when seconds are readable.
h=7 m=48
